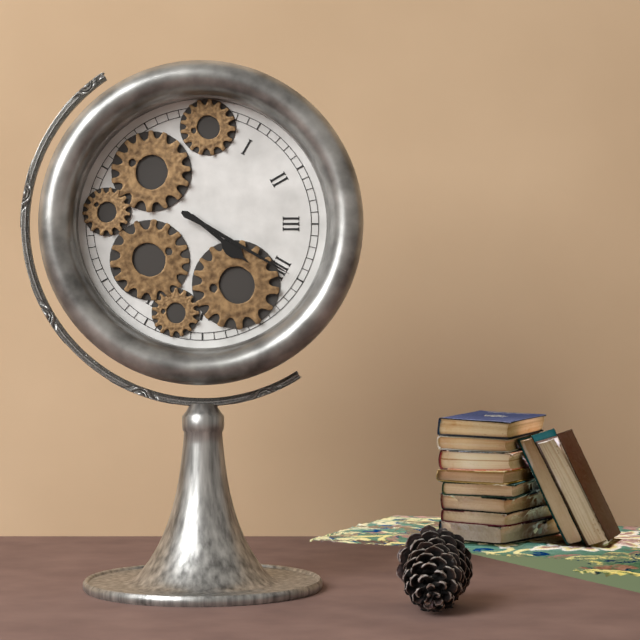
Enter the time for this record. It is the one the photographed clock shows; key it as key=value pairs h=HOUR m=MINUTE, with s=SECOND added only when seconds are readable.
h=4 m=20
